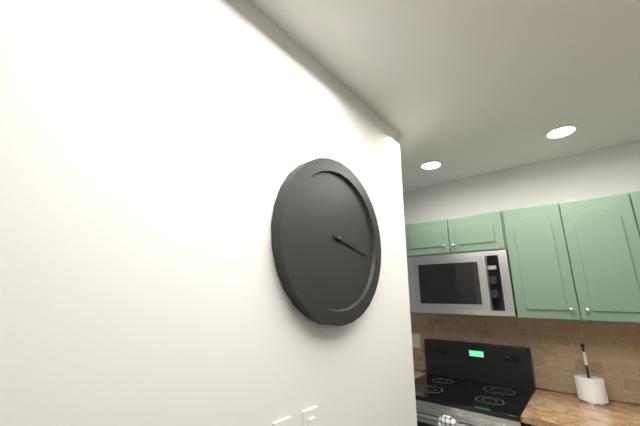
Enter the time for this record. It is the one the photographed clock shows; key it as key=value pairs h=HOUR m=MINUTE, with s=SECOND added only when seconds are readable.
h=3 m=17
